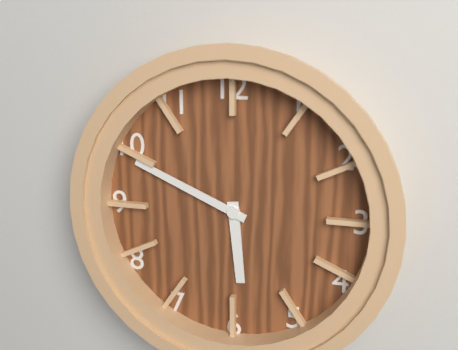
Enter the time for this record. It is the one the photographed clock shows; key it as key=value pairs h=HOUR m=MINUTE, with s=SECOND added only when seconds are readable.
h=5 m=49
